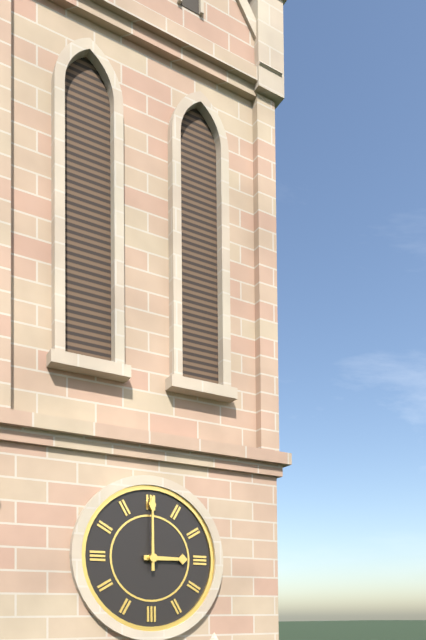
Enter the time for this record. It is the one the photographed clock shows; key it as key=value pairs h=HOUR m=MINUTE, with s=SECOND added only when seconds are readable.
h=3 m=0
